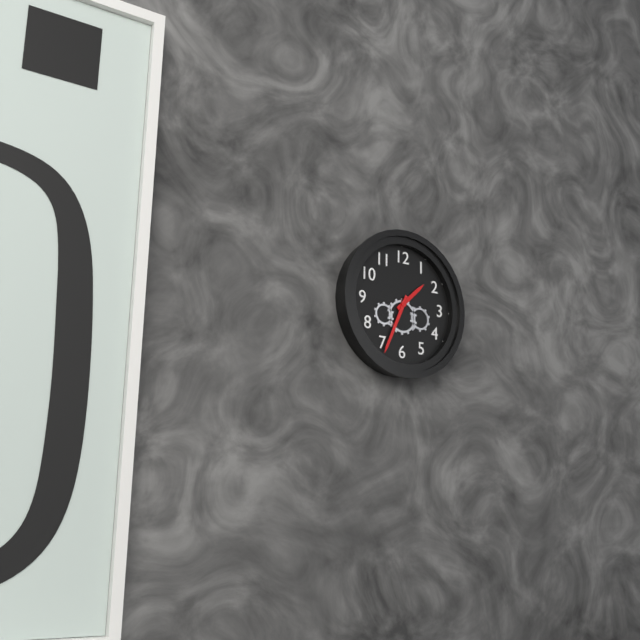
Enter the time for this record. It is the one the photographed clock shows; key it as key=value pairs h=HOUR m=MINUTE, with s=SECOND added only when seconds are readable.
h=1 m=34
